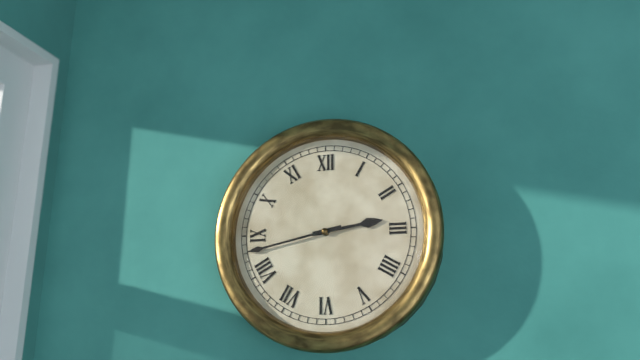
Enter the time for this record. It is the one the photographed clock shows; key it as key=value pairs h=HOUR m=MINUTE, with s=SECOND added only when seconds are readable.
h=2 m=43
